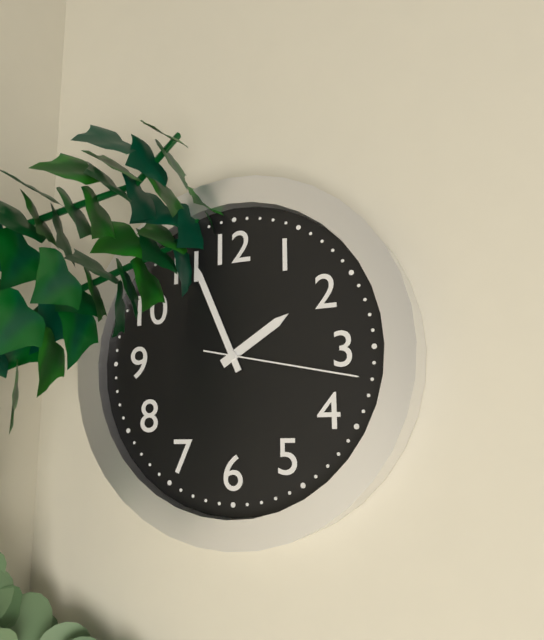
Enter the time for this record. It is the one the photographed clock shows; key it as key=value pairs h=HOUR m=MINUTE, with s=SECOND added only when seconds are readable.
h=1 m=56 s=17
